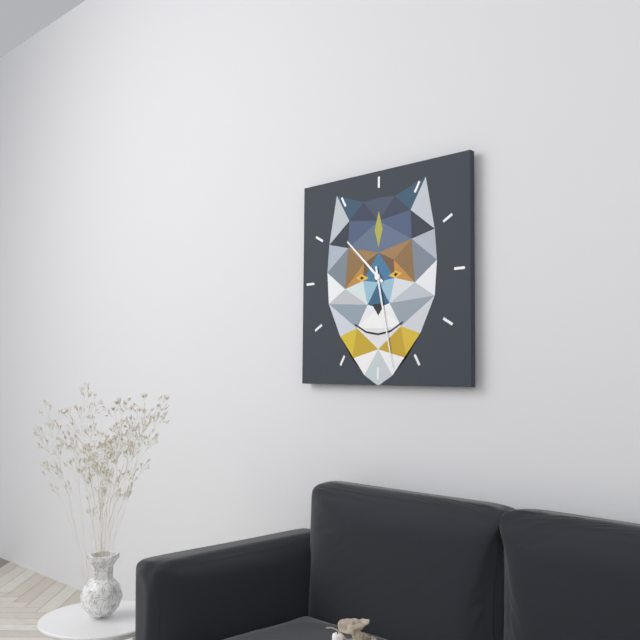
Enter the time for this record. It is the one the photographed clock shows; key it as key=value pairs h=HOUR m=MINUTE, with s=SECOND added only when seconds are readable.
h=10 m=28
